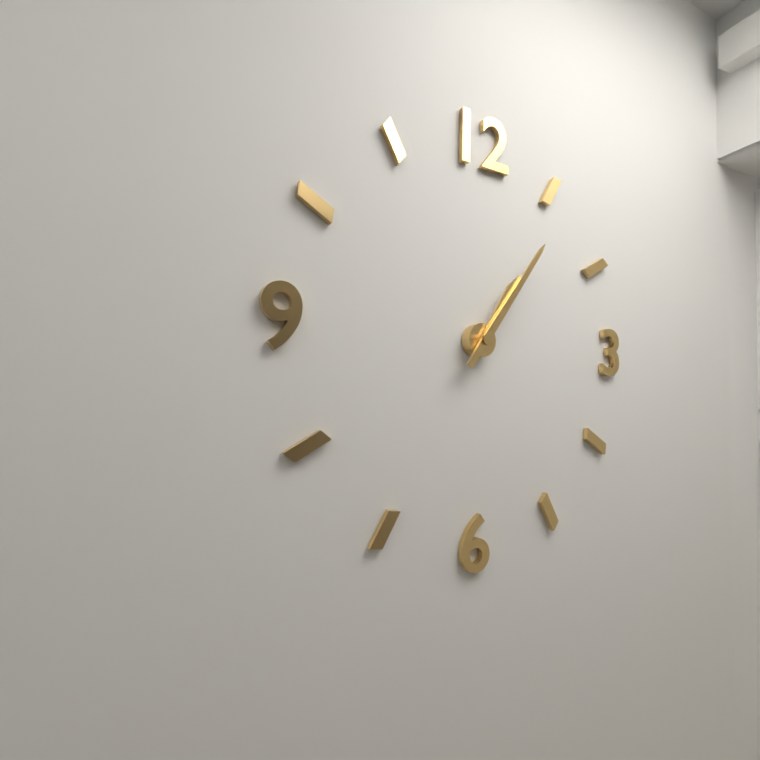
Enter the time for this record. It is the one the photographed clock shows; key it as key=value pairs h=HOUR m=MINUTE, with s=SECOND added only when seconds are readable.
h=1 m=6
